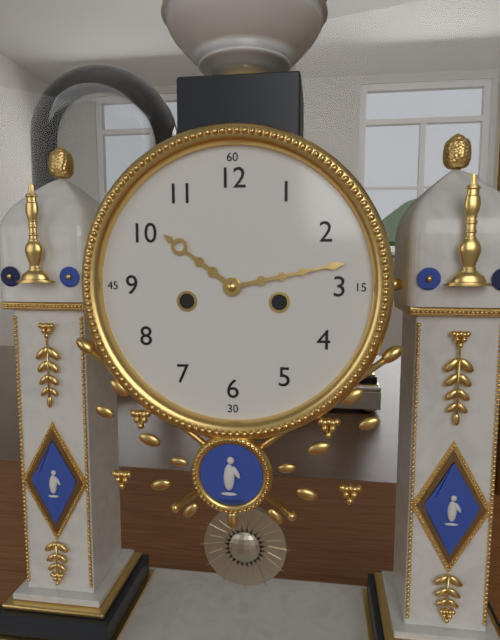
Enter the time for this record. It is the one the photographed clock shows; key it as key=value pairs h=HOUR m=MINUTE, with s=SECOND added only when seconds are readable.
h=10 m=13
